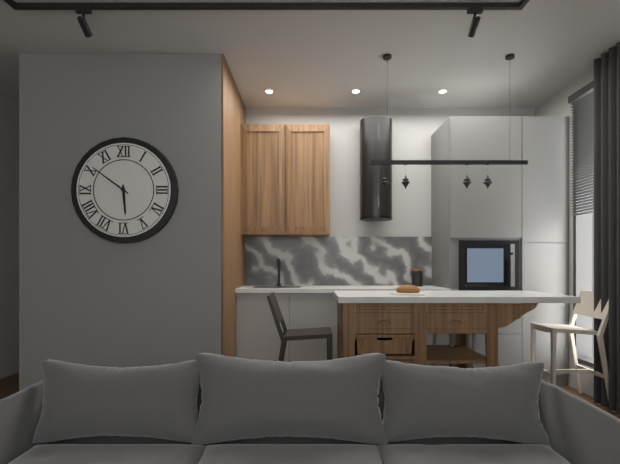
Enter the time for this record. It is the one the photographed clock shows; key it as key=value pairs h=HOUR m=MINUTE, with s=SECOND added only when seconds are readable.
h=5 m=51
